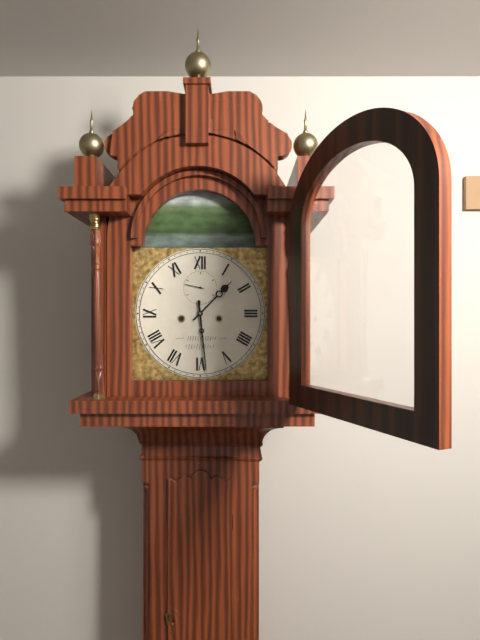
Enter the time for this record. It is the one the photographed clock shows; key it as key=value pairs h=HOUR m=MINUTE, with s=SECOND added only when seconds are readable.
h=1 m=29
